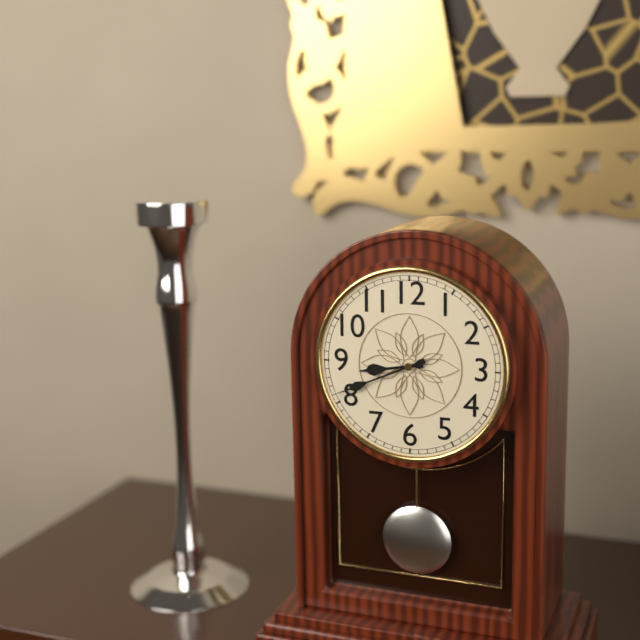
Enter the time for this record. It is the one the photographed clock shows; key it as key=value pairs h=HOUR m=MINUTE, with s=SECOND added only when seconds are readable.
h=8 m=41
